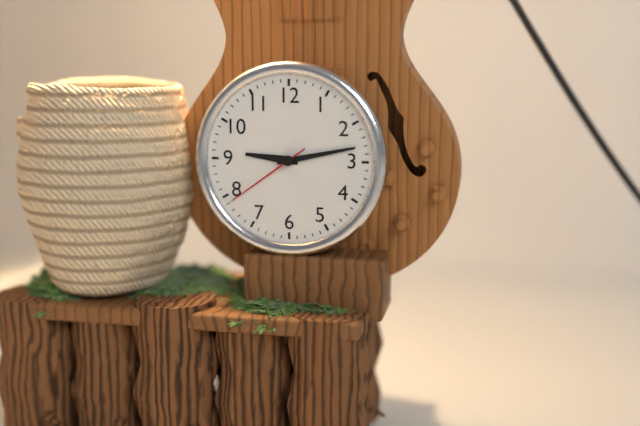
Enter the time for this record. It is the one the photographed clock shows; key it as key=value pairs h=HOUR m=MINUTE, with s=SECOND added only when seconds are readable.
h=9 m=13 s=39
